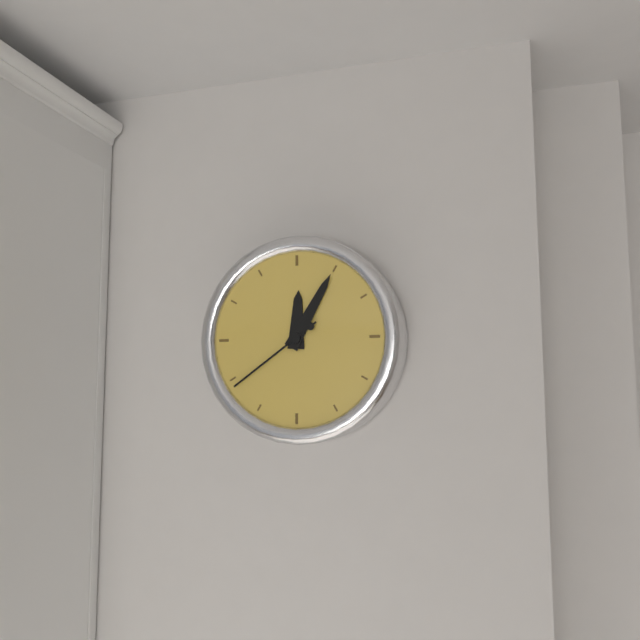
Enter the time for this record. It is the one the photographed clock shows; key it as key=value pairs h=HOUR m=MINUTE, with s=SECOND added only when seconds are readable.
h=12 m=5 s=39
